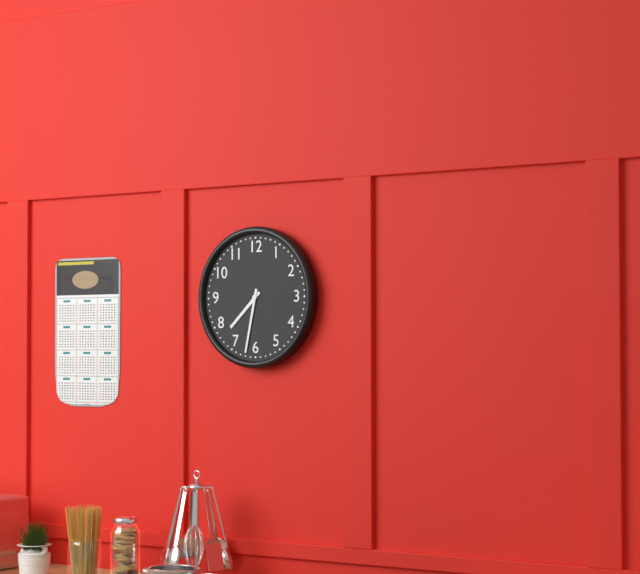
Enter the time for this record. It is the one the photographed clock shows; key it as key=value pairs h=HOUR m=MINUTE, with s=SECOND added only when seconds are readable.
h=7 m=32
